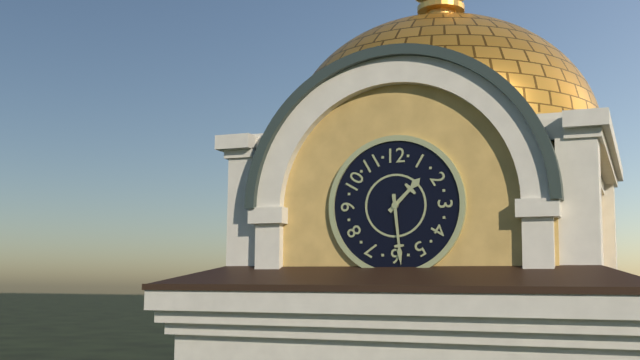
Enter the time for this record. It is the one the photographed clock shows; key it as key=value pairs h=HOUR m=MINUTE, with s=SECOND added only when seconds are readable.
h=1 m=29
